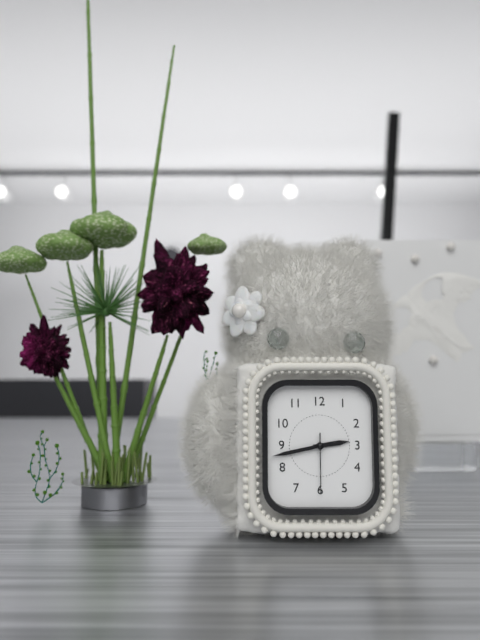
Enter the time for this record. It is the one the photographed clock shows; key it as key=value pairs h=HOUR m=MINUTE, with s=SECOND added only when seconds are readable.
h=2 m=43 s=30
